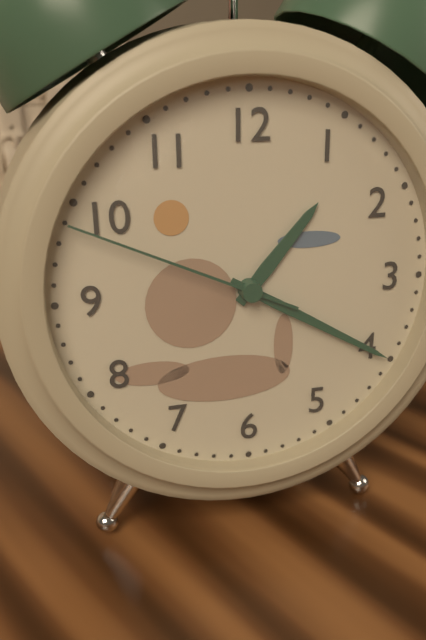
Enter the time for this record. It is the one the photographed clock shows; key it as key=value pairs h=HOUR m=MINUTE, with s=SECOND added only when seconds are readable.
h=1 m=20 s=49
